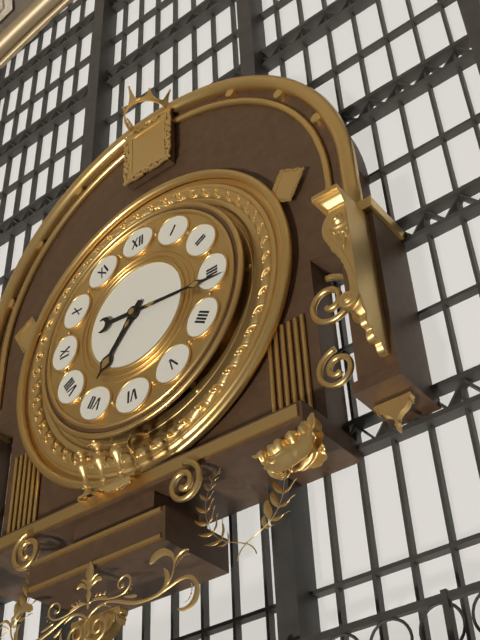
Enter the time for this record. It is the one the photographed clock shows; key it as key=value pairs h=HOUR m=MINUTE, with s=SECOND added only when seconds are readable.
h=7 m=16
